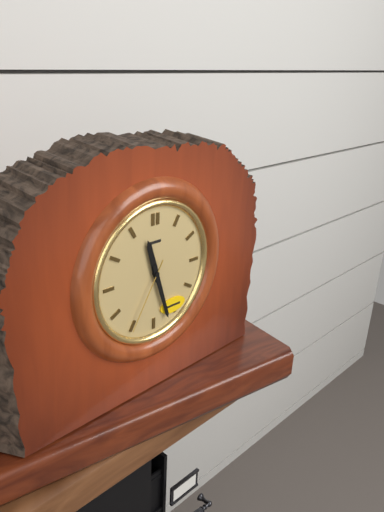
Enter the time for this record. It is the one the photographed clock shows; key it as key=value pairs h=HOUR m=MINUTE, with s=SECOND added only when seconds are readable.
h=11 m=27 s=35
